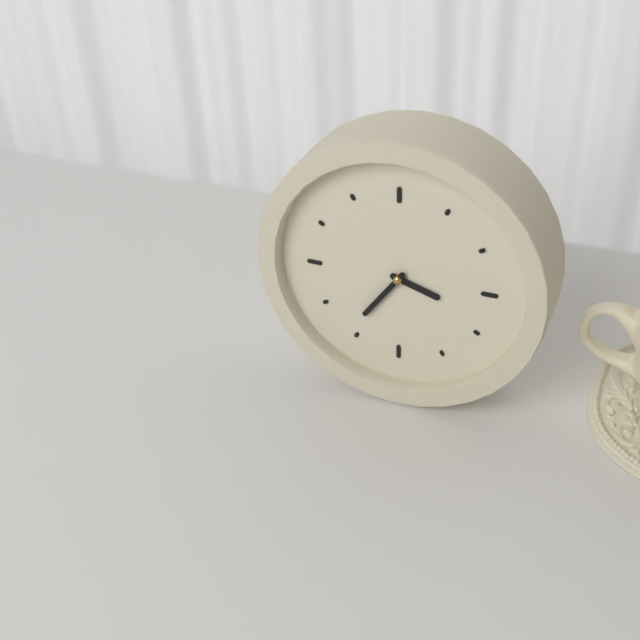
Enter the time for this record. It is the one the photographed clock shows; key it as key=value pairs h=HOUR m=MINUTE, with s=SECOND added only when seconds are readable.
h=3 m=36
